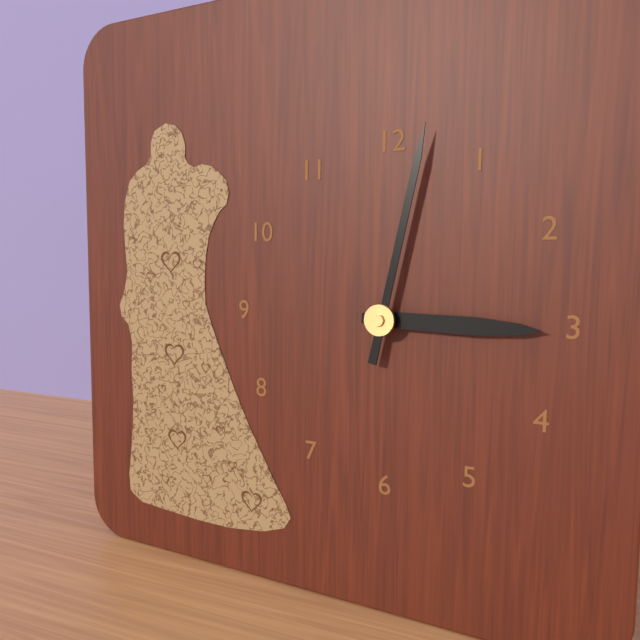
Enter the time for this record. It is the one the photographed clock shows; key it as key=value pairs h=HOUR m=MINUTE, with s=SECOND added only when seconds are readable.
h=3 m=2
